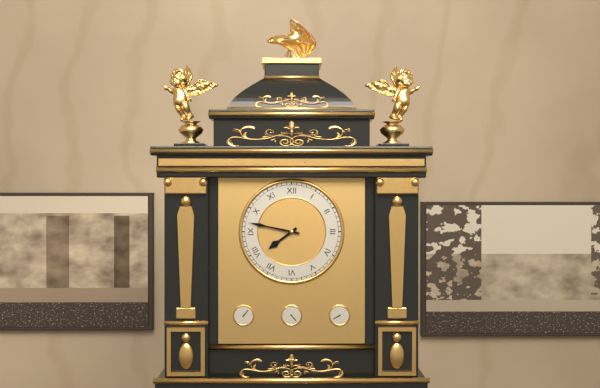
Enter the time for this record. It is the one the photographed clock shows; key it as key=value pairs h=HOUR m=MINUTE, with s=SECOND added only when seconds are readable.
h=7 m=47
